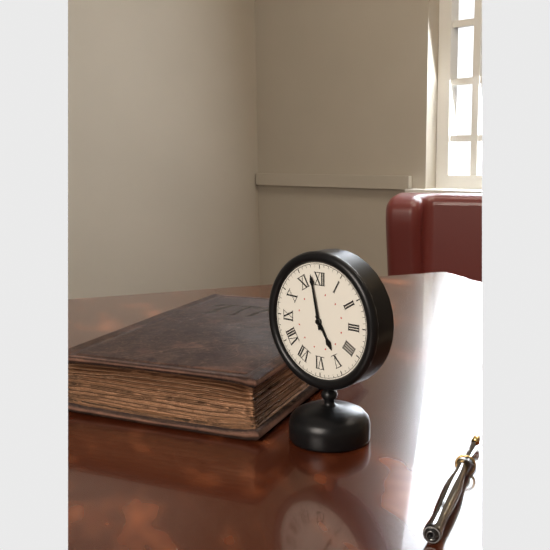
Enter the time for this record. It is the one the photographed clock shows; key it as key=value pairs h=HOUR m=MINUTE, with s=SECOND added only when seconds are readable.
h=4 m=58
